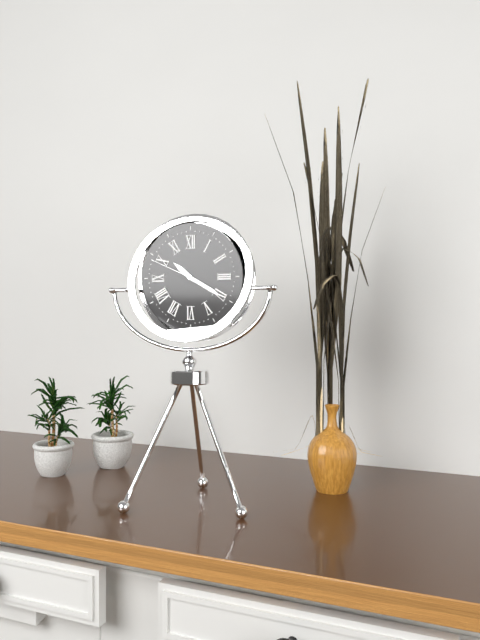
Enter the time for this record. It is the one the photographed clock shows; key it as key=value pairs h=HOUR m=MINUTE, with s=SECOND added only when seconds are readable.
h=10 m=20 s=49
